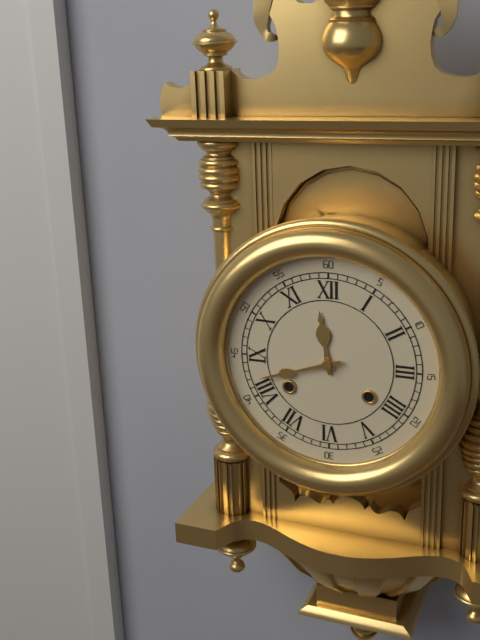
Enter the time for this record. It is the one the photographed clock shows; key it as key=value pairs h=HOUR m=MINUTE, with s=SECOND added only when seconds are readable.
h=11 m=42
